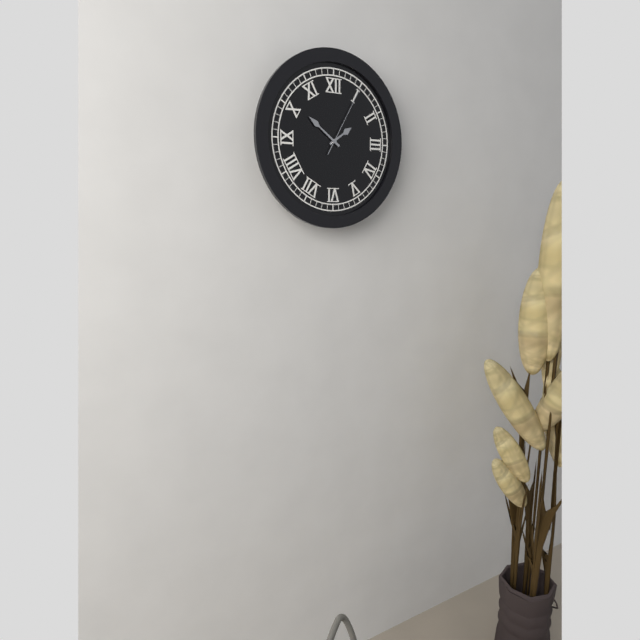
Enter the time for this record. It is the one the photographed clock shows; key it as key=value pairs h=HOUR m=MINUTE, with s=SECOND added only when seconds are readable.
h=1 m=51 s=5
